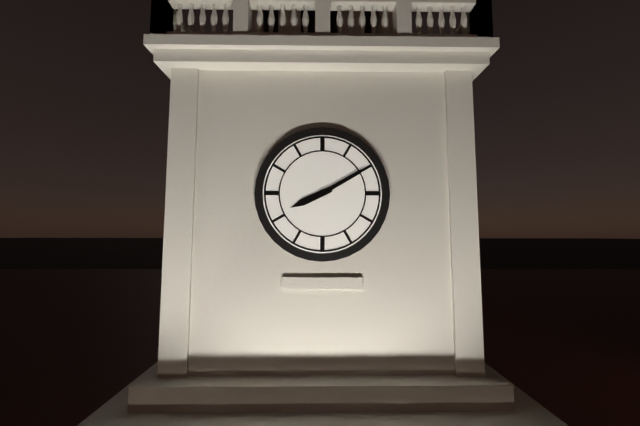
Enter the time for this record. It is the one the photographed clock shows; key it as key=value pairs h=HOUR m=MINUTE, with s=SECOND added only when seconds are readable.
h=8 m=10
